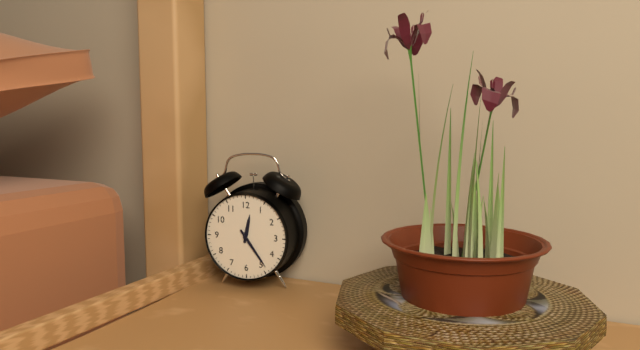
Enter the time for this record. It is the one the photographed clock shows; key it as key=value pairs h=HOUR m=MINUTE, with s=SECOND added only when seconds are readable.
h=12 m=24
